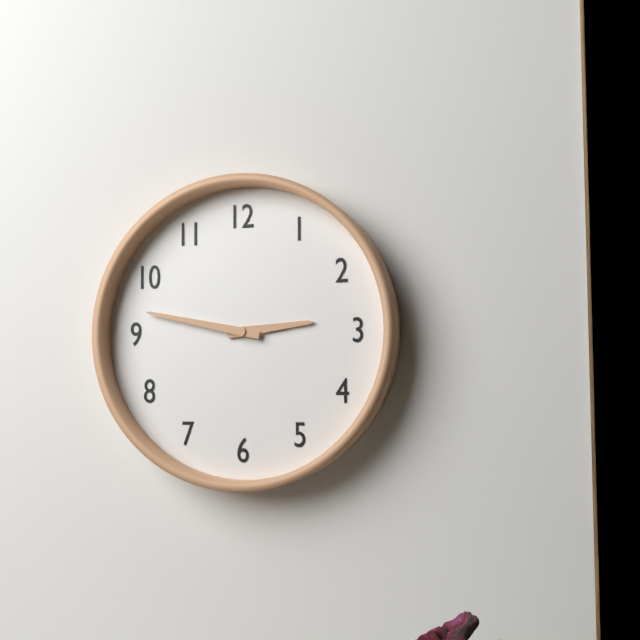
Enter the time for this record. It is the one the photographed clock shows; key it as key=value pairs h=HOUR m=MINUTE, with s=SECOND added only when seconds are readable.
h=2 m=47
